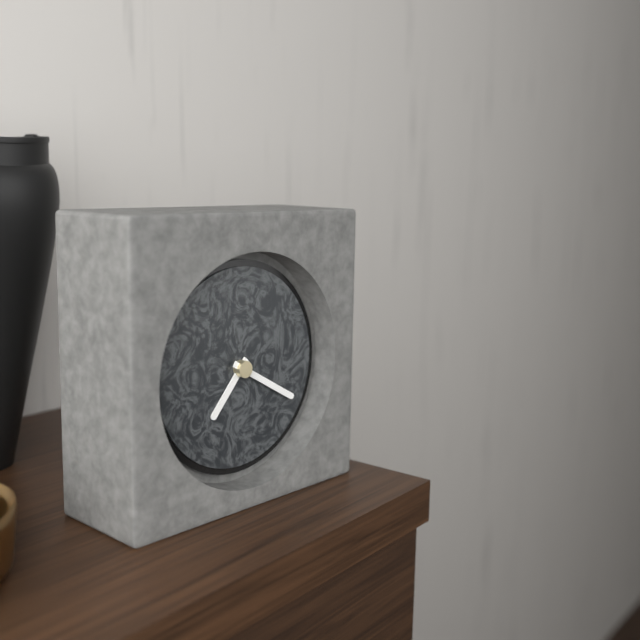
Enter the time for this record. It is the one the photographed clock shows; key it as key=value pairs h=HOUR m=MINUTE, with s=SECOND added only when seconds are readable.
h=7 m=20
